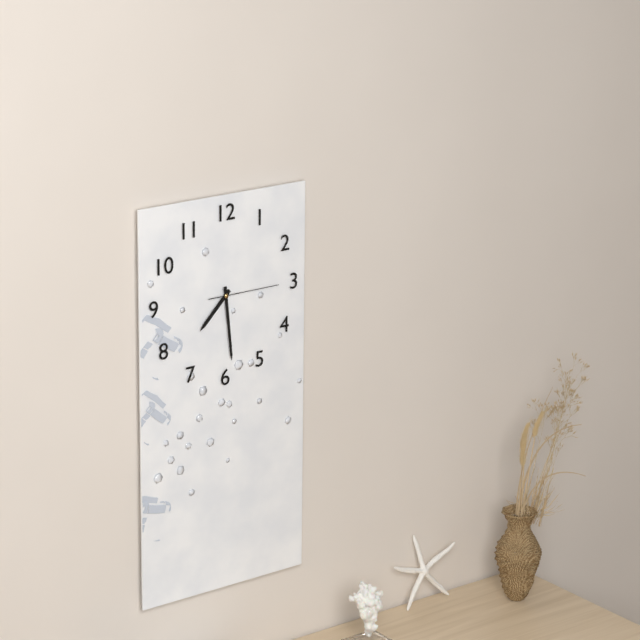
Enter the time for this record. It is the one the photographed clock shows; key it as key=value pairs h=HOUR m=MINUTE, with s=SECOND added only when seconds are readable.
h=7 m=29 s=15
